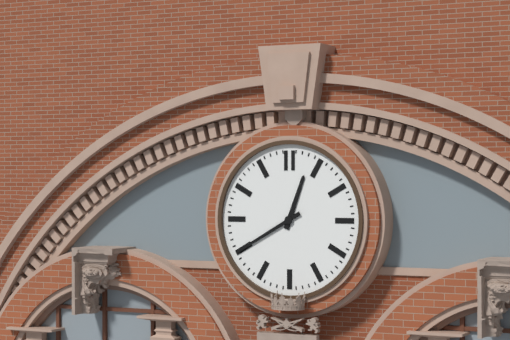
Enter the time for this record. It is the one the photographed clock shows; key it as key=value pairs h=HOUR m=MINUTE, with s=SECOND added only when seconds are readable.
h=12 m=40
